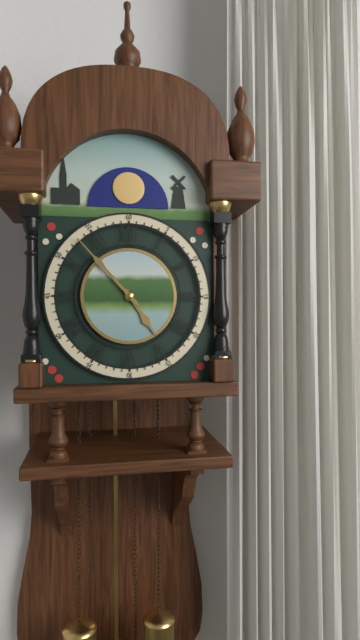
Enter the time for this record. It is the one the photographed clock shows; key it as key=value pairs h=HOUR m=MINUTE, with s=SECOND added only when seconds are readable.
h=4 m=53
